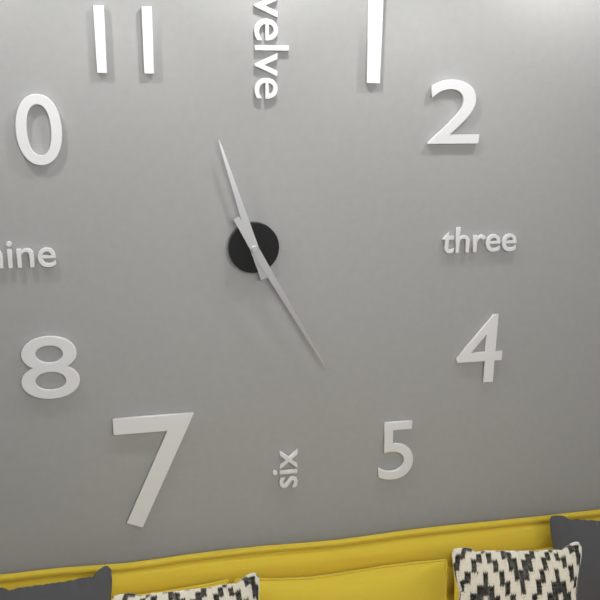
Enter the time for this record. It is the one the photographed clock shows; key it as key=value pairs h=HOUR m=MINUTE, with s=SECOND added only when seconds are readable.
h=11 m=25
